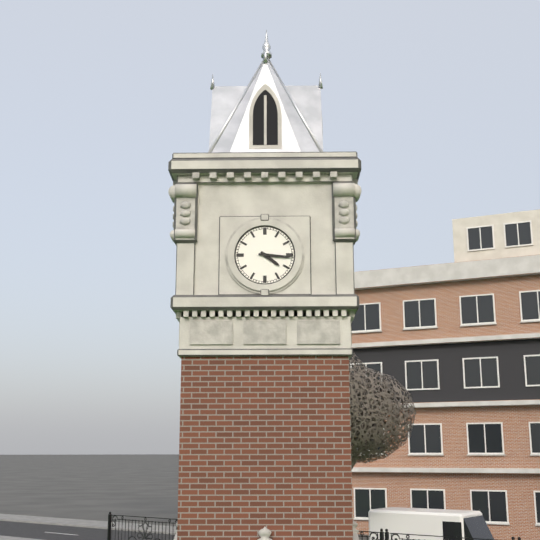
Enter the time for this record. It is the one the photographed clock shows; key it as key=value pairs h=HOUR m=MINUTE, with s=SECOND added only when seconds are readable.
h=4 m=16
